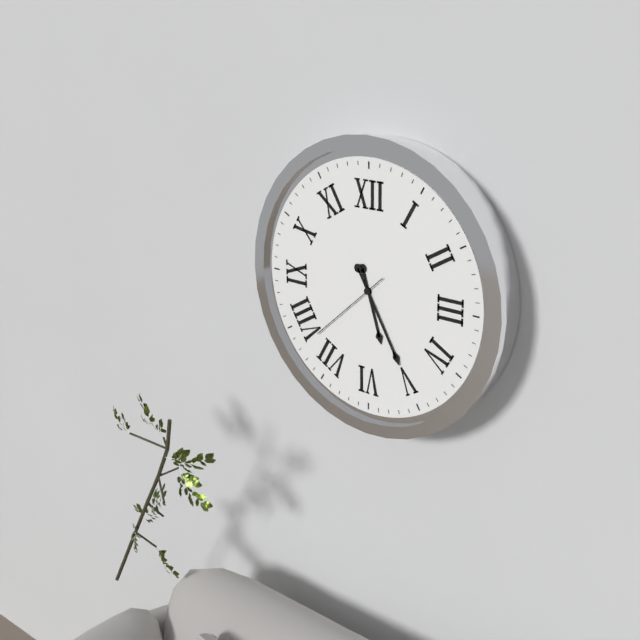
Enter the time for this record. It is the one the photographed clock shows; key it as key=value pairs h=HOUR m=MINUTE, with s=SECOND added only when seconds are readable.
h=5 m=25 s=38
